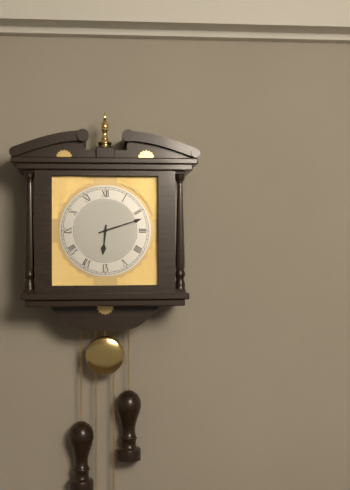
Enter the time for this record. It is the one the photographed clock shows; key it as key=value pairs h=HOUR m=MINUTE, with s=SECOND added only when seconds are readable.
h=6 m=12
